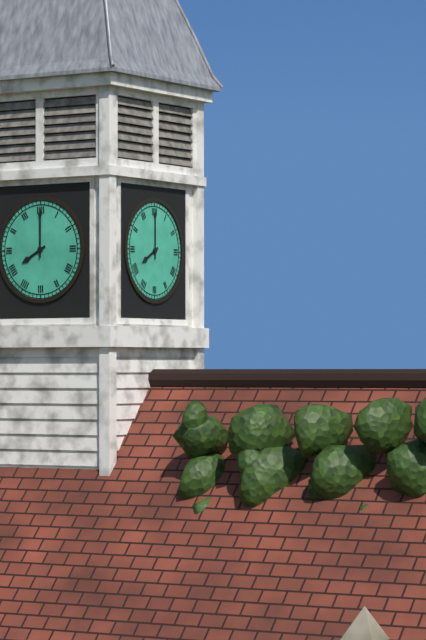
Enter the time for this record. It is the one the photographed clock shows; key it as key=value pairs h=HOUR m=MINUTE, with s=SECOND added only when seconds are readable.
h=8 m=0
